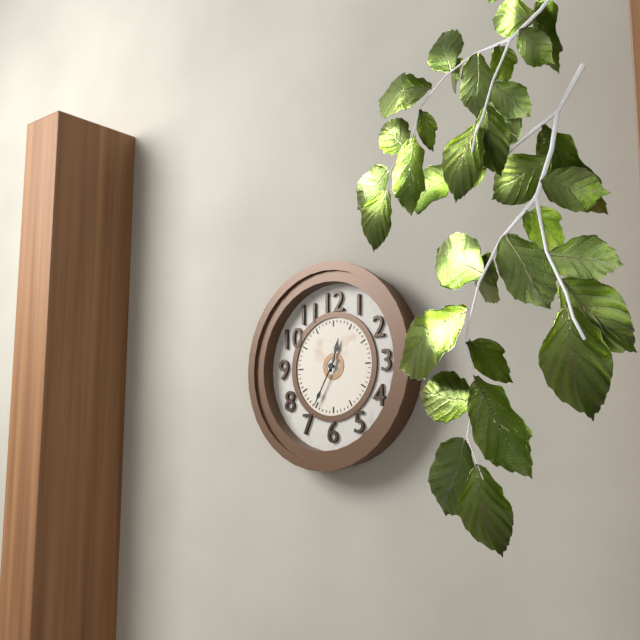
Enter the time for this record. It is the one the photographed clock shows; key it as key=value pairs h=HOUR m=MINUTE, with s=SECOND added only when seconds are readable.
h=12 m=35
